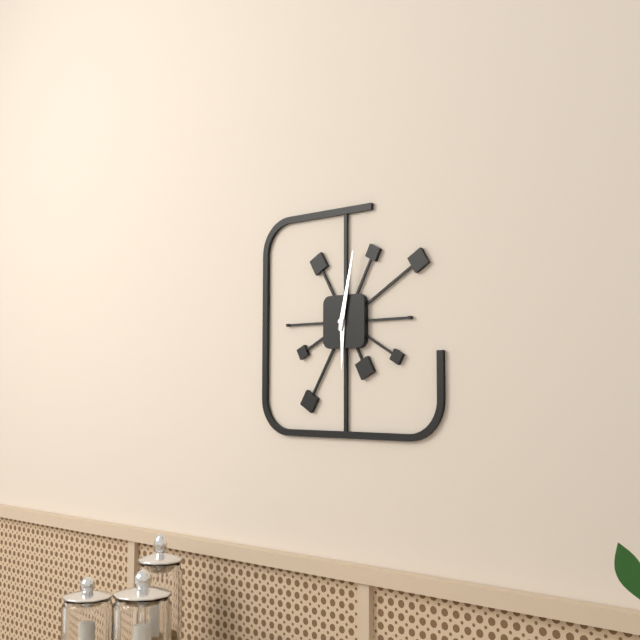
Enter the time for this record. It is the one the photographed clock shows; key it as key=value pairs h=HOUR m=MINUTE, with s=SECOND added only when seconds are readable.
h=6 m=2
